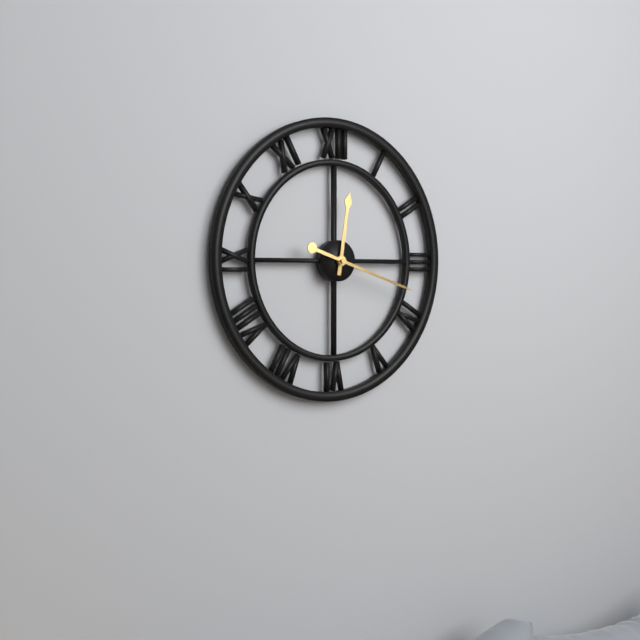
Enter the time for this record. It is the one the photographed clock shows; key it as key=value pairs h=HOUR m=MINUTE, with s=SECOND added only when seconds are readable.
h=12 m=18
